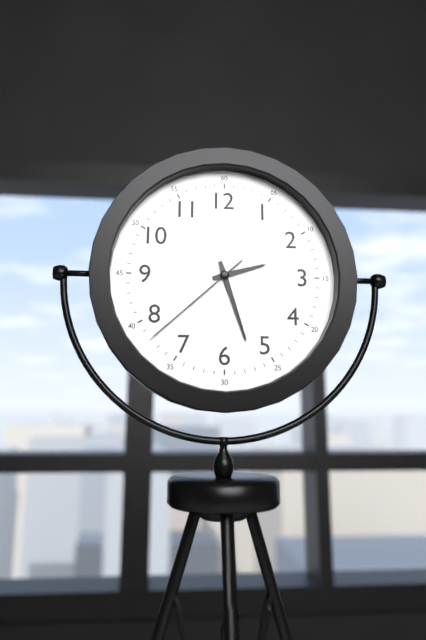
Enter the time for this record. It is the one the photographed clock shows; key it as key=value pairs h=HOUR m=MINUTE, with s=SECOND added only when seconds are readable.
h=2 m=27 s=38
